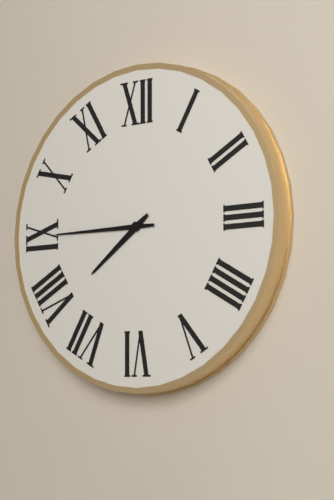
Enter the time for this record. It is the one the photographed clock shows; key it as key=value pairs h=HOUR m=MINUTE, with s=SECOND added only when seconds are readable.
h=7 m=45
